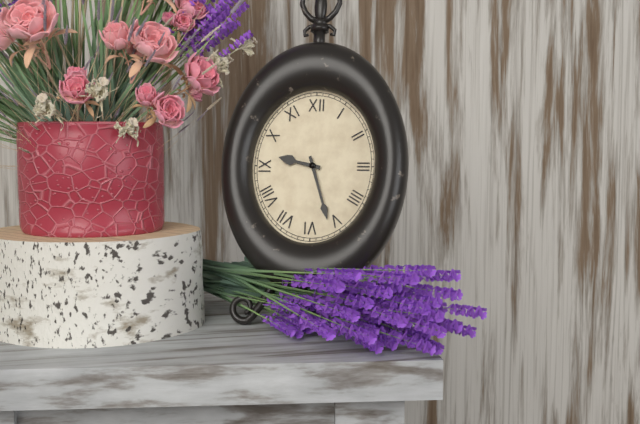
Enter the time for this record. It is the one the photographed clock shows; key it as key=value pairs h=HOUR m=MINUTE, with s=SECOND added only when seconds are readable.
h=9 m=27
